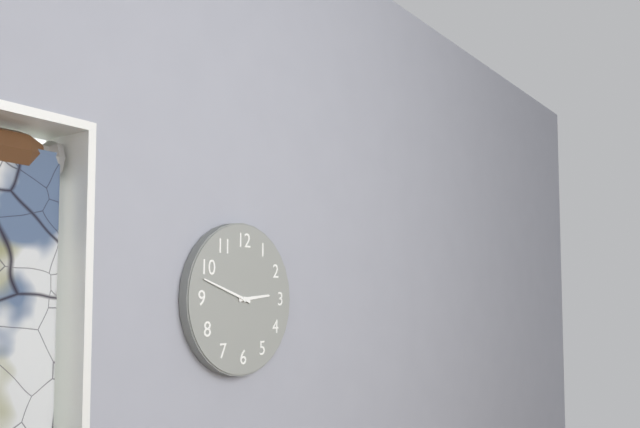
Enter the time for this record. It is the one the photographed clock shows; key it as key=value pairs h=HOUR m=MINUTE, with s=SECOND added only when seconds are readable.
h=2 m=48
